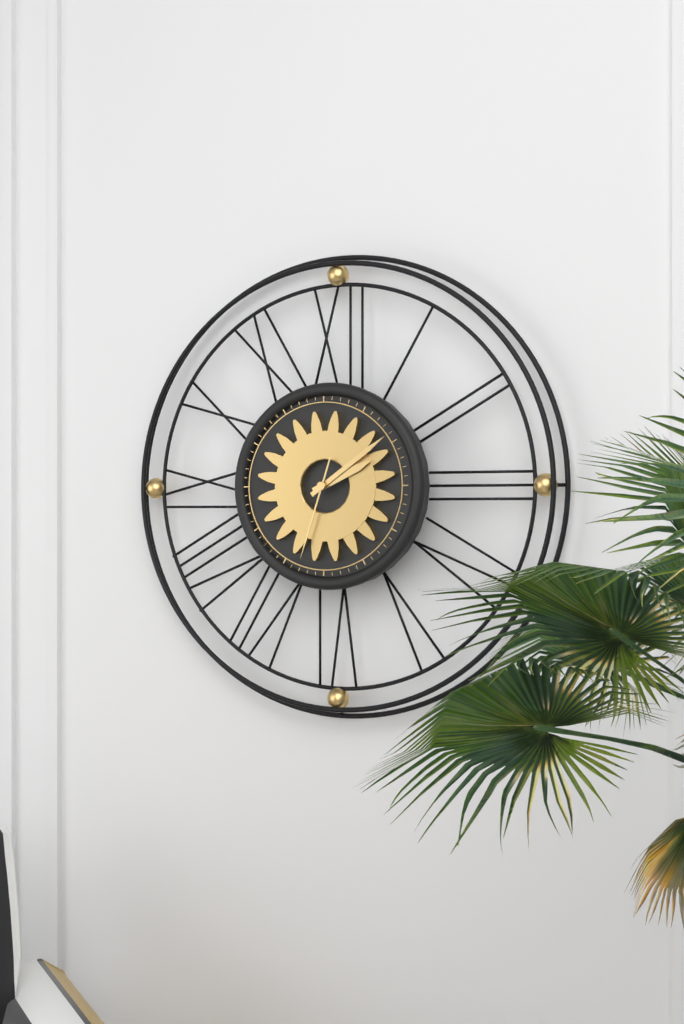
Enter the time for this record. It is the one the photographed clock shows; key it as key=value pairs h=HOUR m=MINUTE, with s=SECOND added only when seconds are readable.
h=2 m=9 s=33
